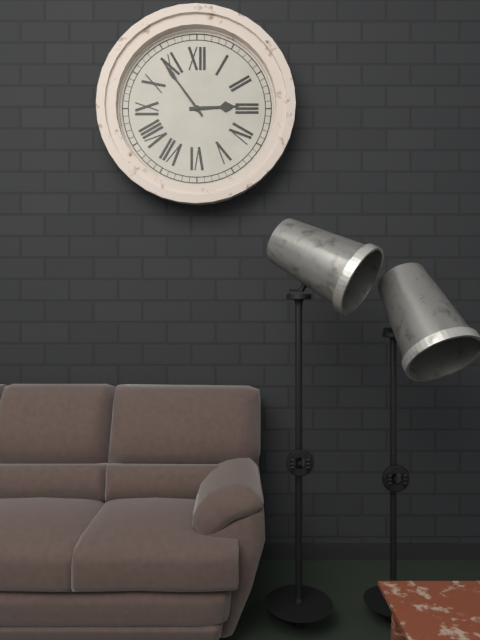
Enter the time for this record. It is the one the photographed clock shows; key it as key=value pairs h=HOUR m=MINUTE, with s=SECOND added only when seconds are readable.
h=2 m=54
